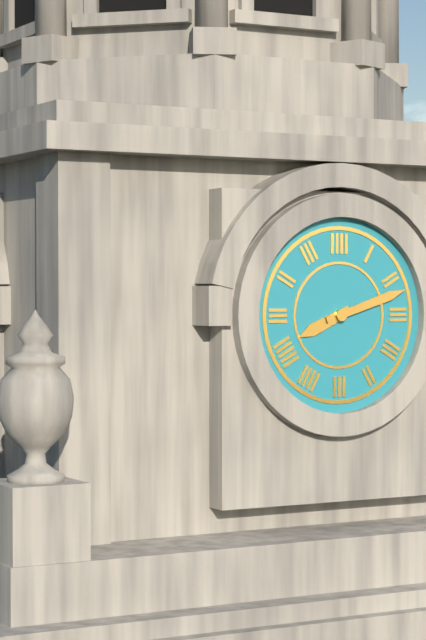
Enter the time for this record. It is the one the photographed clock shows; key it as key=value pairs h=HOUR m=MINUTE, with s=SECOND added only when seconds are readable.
h=8 m=12
